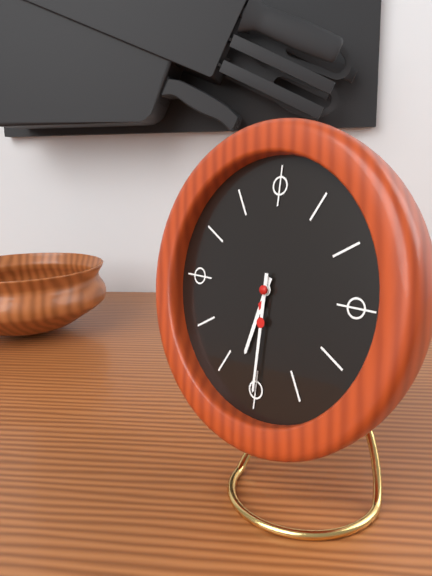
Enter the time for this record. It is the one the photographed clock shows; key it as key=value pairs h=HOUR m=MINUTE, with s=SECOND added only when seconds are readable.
h=6 m=30
